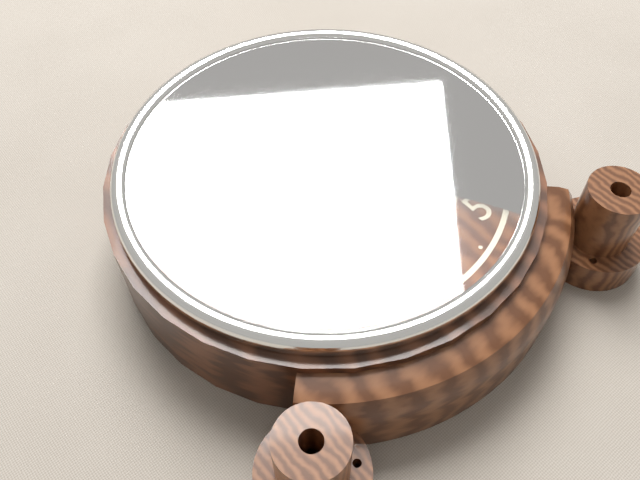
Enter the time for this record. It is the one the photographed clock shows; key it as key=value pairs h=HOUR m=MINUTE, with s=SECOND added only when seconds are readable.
h=9 m=16
